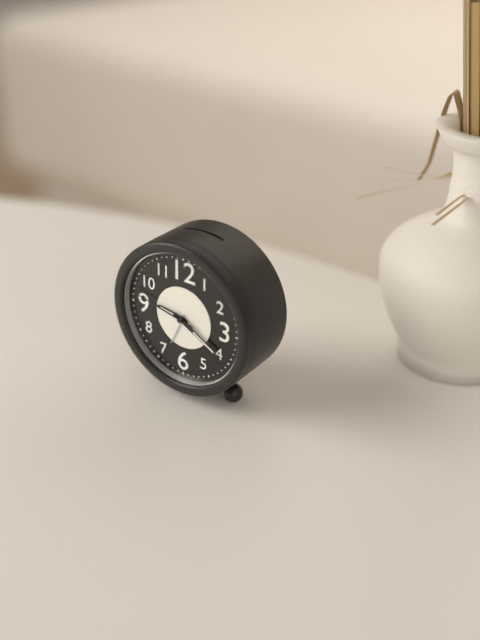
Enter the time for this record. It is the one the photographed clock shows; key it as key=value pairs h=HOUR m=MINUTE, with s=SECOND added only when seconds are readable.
h=9 m=20 s=47
